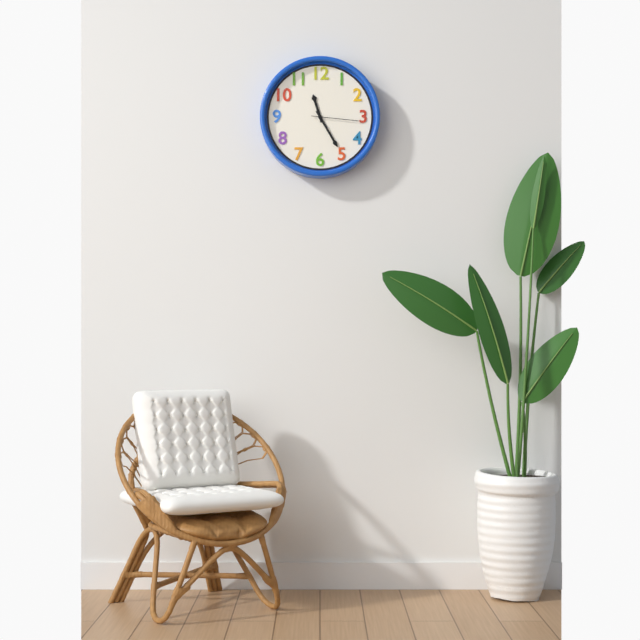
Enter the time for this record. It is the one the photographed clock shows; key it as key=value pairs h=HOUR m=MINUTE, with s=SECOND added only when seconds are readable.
h=11 m=25 s=16
